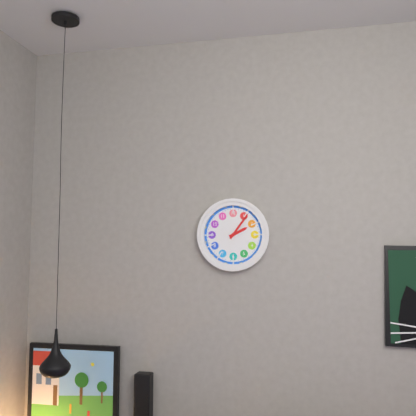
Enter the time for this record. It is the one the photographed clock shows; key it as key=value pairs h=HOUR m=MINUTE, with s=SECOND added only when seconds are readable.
h=2 m=6
